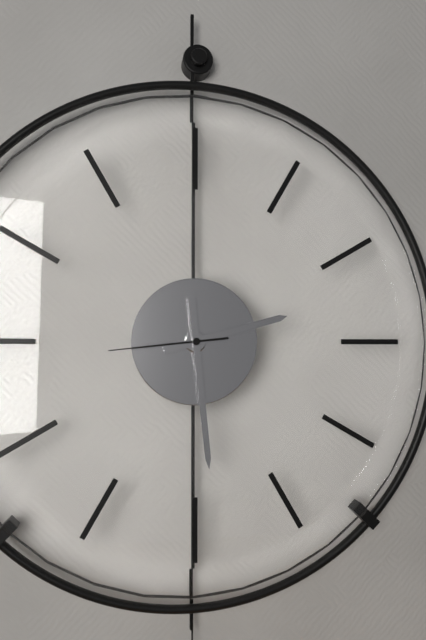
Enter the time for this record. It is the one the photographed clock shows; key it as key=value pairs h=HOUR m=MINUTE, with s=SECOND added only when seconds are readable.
h=2 m=29 s=44
